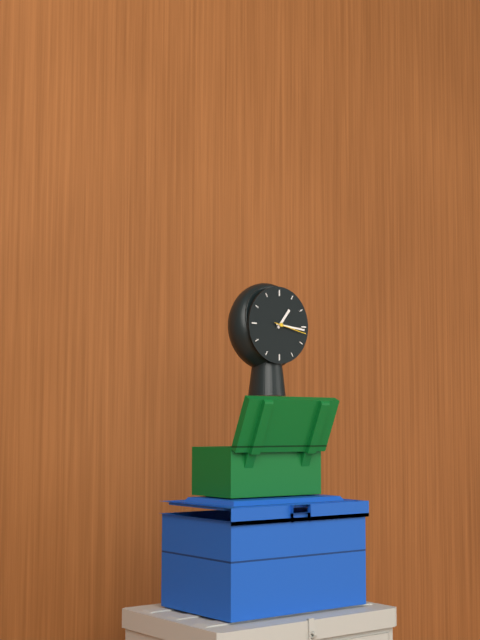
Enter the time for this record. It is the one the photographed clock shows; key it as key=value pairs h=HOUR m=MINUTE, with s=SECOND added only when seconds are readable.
h=1 m=16
